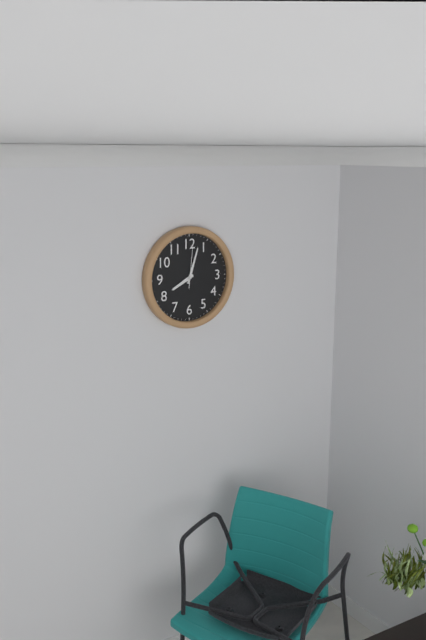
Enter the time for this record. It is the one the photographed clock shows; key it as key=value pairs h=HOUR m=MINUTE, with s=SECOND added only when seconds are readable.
h=8 m=3
